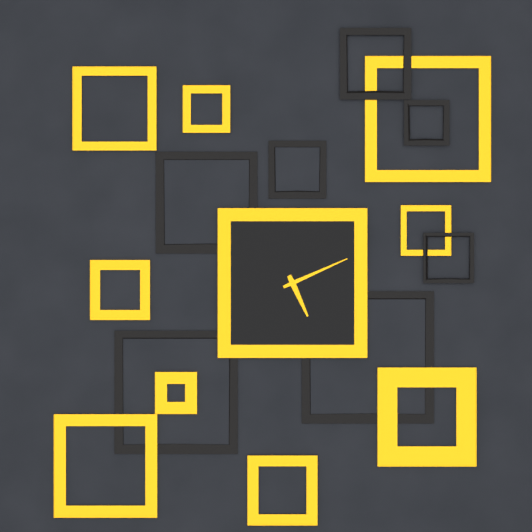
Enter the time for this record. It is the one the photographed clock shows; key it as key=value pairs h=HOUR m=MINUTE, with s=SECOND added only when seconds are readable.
h=5 m=11
